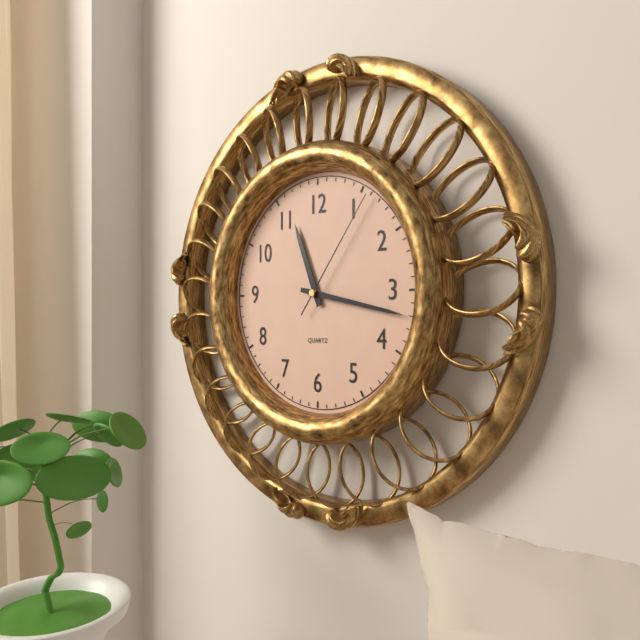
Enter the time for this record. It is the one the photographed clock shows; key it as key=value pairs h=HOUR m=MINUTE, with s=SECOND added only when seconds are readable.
h=11 m=17 s=6
